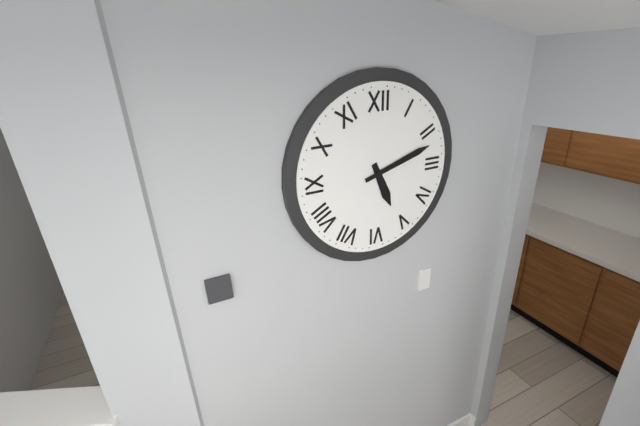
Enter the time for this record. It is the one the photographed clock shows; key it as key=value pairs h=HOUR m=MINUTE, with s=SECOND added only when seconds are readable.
h=5 m=12
